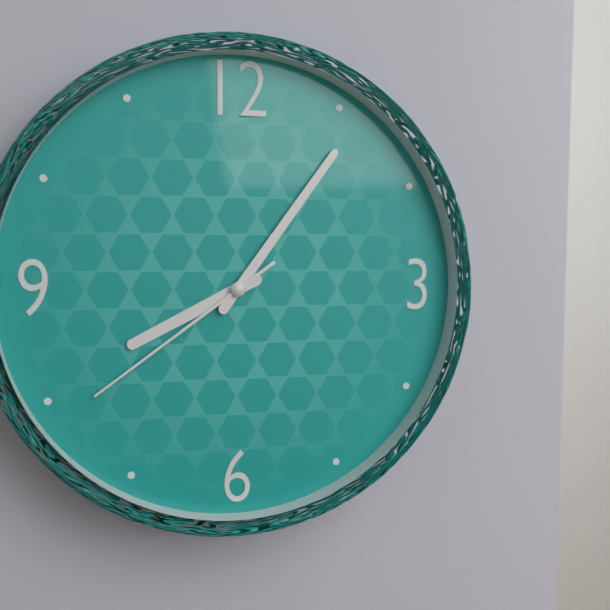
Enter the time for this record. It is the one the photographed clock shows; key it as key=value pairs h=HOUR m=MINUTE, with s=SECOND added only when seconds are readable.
h=8 m=6 s=39
